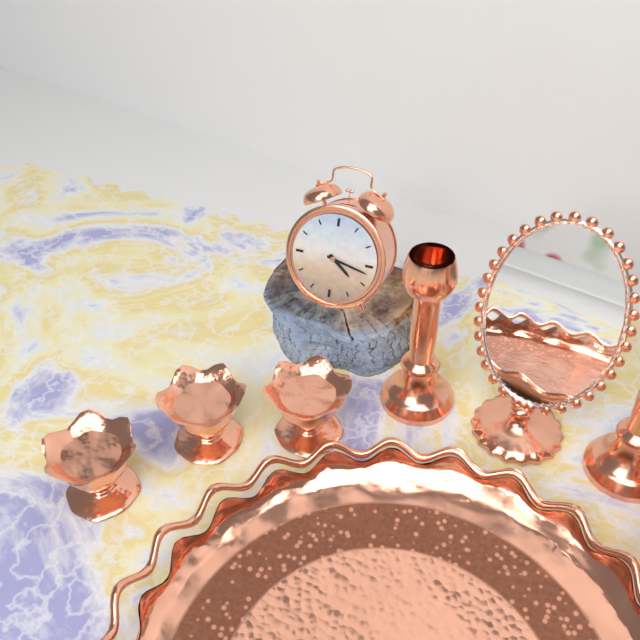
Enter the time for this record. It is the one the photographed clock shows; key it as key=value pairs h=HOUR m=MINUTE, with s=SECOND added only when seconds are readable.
h=4 m=17
